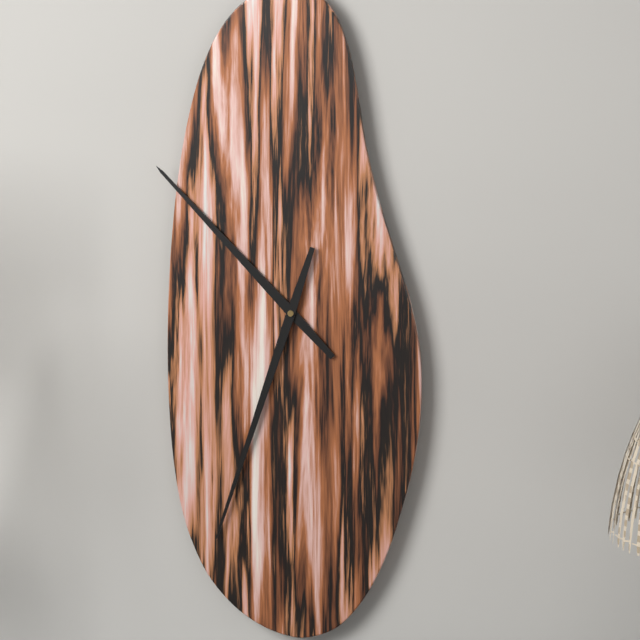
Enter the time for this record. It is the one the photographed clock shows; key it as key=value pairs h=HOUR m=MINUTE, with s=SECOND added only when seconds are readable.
h=10 m=33
